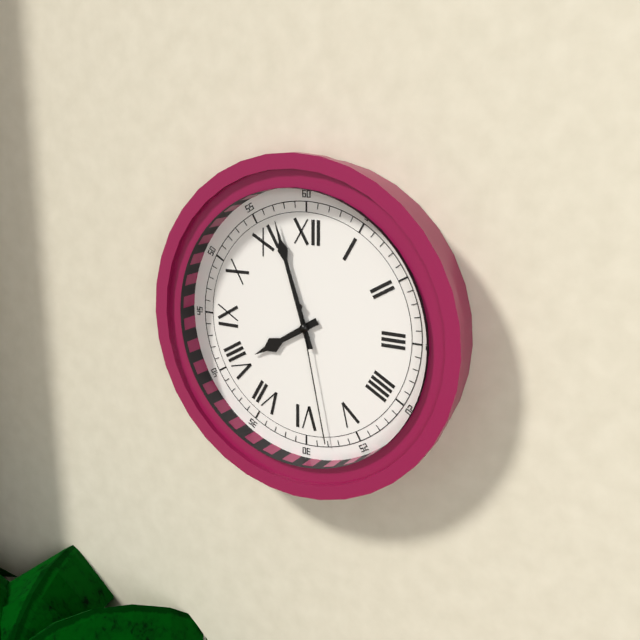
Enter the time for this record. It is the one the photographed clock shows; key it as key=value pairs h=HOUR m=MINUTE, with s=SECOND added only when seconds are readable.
h=7 m=57 s=28
